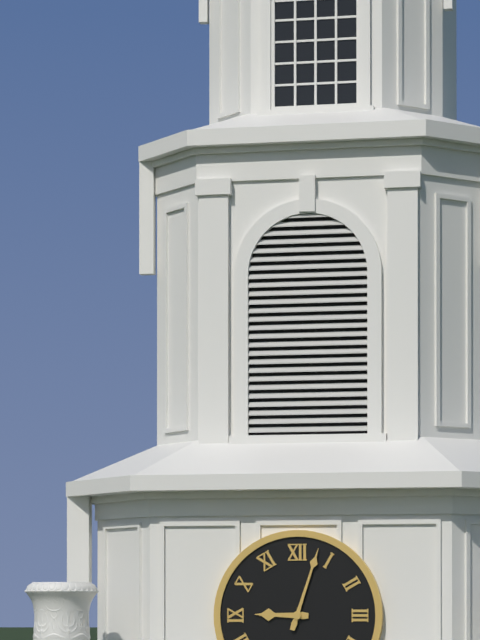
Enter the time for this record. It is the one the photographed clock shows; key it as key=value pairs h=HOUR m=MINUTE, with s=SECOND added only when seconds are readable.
h=9 m=3
